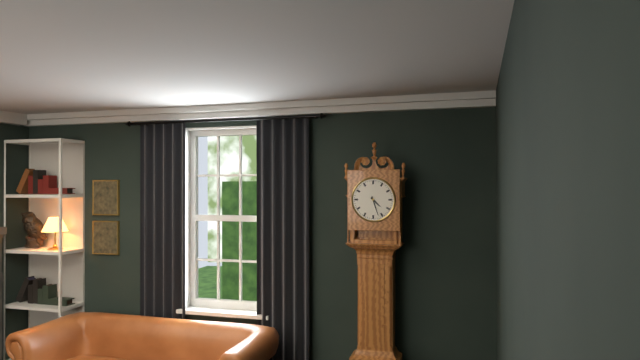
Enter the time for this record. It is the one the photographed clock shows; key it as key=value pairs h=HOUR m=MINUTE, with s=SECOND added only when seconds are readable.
h=4 m=27
